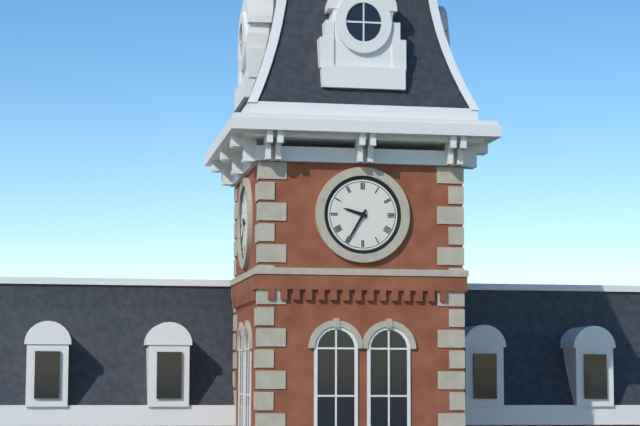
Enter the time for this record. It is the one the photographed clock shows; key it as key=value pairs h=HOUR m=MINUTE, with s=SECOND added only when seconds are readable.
h=9 m=35
